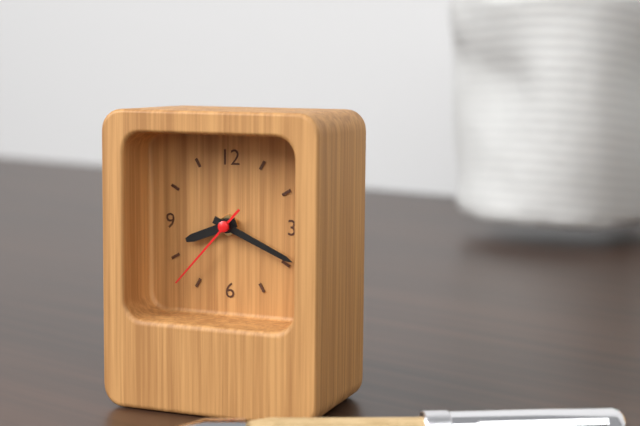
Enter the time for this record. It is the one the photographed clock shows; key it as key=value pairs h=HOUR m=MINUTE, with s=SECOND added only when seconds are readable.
h=8 m=19 s=37
